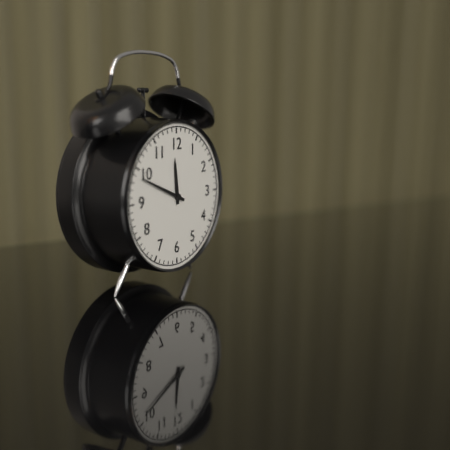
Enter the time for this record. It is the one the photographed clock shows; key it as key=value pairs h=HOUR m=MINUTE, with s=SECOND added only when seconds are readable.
h=11 m=49
